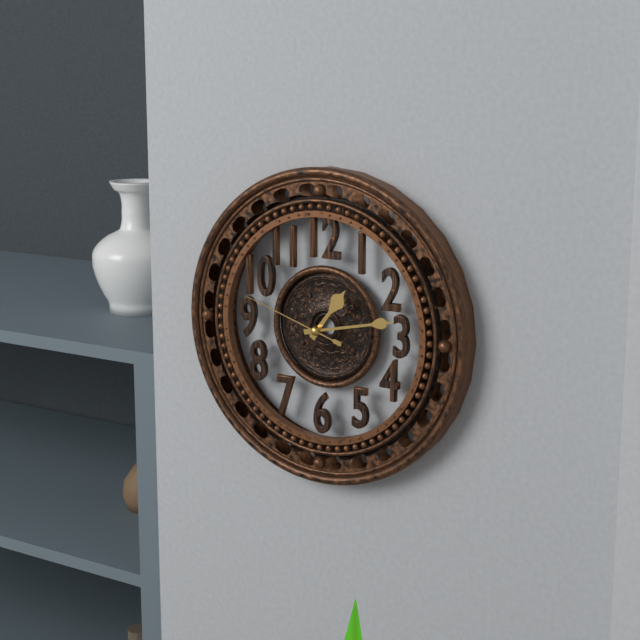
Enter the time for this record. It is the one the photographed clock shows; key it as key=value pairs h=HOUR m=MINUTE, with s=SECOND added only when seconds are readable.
h=1 m=13 s=48
